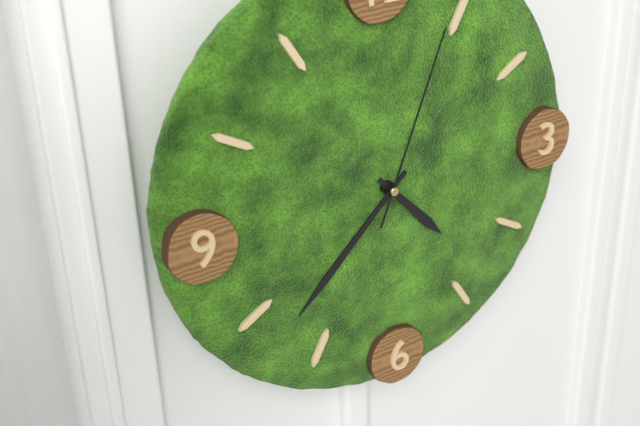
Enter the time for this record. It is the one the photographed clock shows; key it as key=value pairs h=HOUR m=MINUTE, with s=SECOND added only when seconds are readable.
h=4 m=38 s=4
